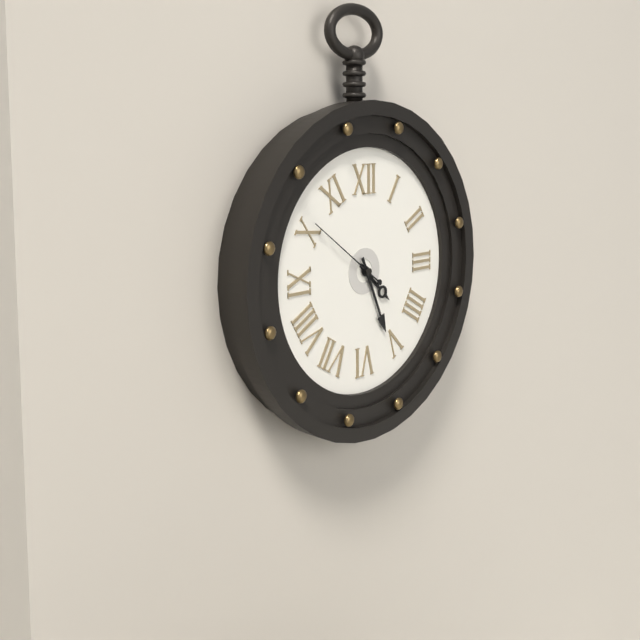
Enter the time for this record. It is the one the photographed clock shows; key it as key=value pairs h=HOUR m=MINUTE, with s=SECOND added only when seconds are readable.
h=4 m=26 s=51
